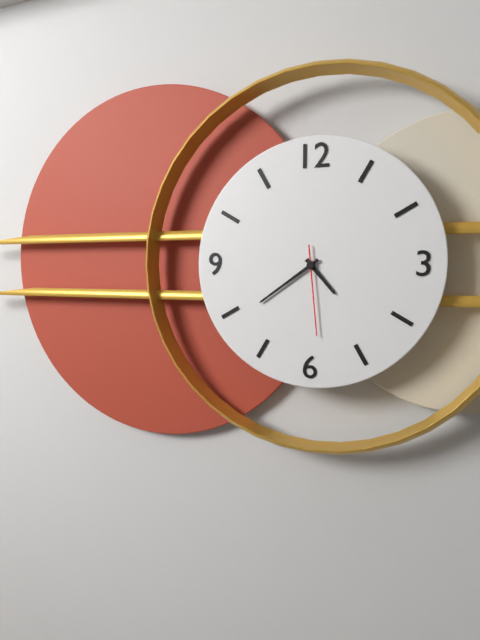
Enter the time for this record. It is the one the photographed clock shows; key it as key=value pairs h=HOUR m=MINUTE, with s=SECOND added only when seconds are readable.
h=4 m=39 s=29
